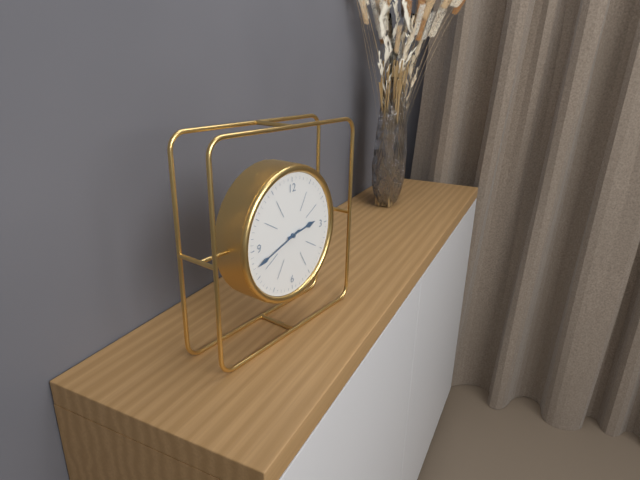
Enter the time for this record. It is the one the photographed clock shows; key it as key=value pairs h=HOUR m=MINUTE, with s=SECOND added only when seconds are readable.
h=2 m=42
